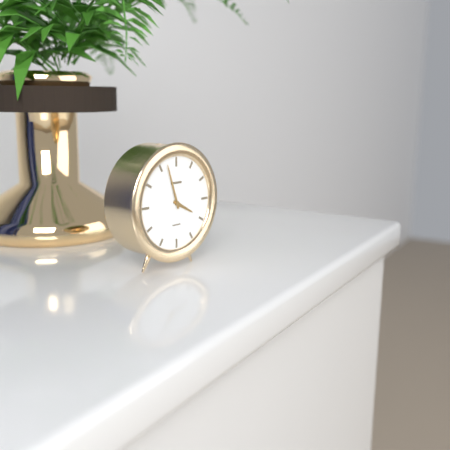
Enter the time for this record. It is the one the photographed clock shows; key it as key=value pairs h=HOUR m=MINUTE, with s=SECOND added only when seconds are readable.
h=3 m=57
